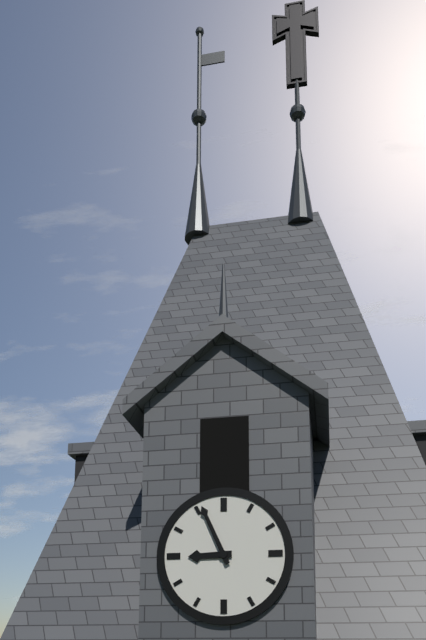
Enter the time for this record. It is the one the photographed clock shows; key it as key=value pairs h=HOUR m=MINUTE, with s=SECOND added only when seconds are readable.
h=8 m=56
